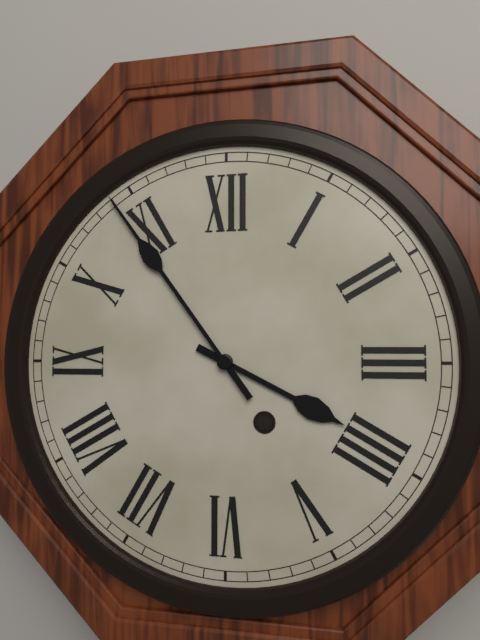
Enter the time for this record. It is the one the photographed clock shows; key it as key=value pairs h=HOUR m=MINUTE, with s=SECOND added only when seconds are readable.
h=3 m=54
